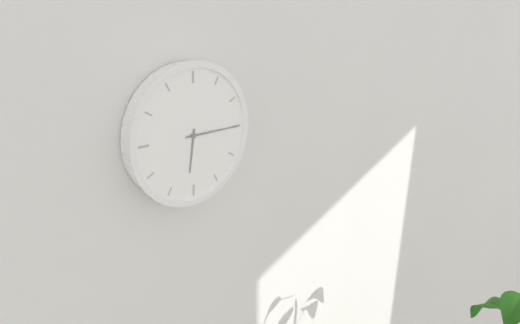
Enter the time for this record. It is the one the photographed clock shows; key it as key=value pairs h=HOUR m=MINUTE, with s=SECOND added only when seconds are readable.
h=6 m=15
